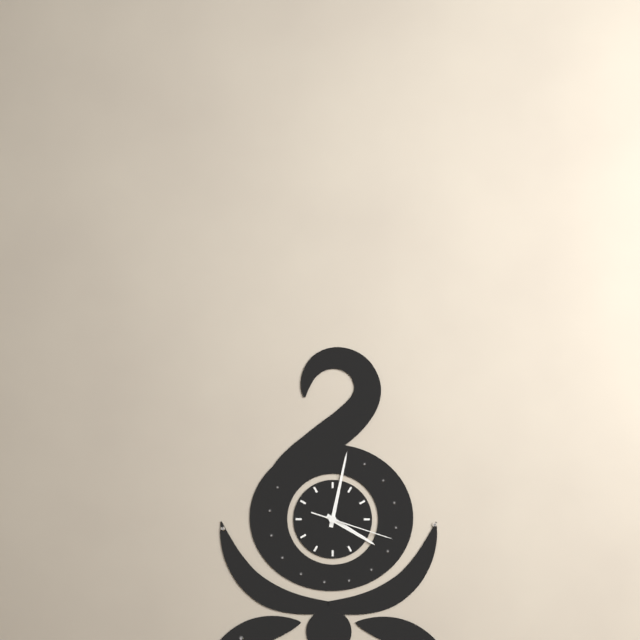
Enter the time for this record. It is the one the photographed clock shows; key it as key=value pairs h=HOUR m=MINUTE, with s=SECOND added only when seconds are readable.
h=4 m=2 s=18
